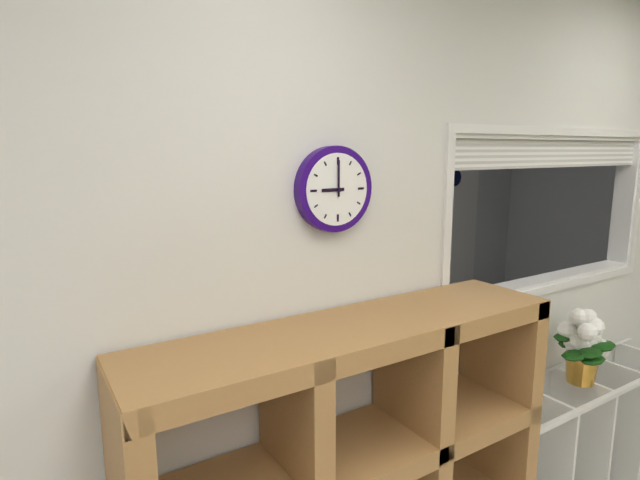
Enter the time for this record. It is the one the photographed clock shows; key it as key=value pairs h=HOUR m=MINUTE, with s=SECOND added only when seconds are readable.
h=9 m=0
